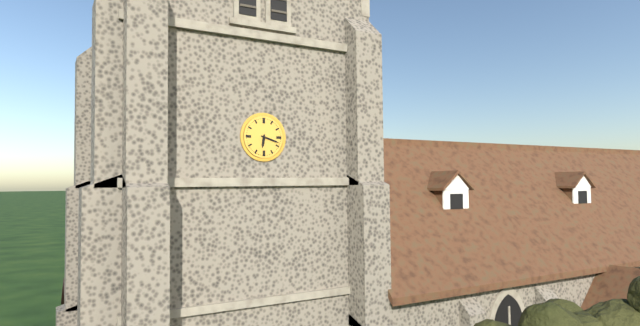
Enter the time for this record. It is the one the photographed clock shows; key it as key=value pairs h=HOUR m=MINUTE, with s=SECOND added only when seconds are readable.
h=6 m=18
